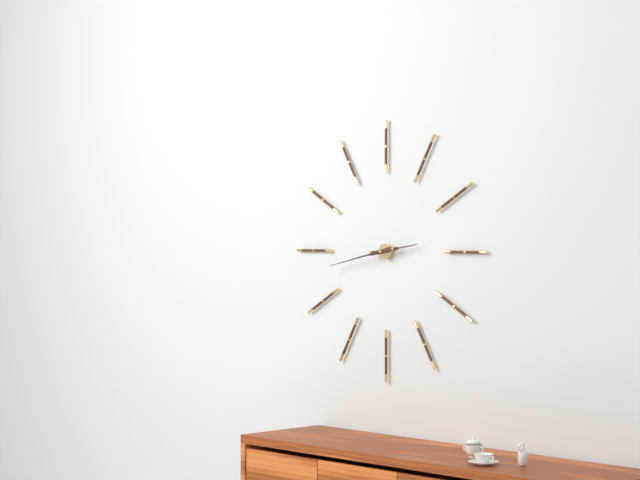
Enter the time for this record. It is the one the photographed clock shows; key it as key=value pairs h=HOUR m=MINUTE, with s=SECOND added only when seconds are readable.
h=2 m=43
